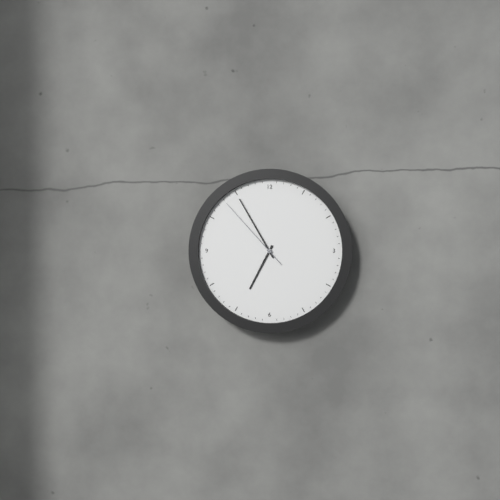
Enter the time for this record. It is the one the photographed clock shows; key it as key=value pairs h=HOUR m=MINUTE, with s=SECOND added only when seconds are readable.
h=6 m=55 s=53
